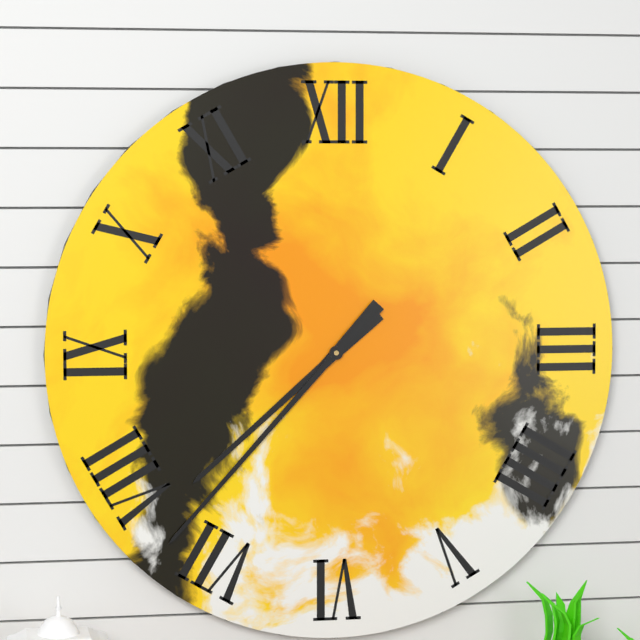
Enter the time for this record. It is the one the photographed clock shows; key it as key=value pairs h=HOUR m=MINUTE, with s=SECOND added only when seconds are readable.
h=7 m=37
